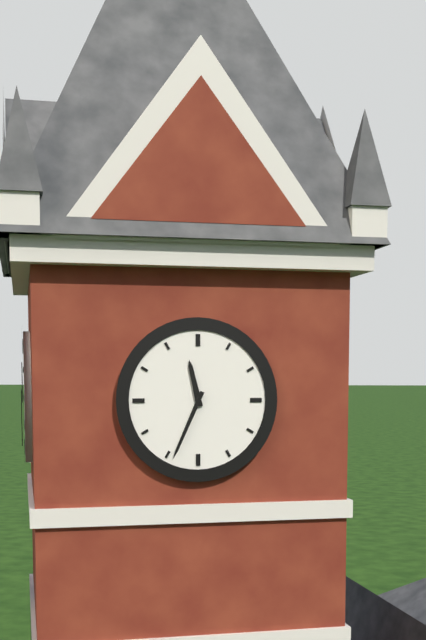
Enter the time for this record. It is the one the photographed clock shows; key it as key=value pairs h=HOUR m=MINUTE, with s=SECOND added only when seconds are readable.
h=11 m=34
